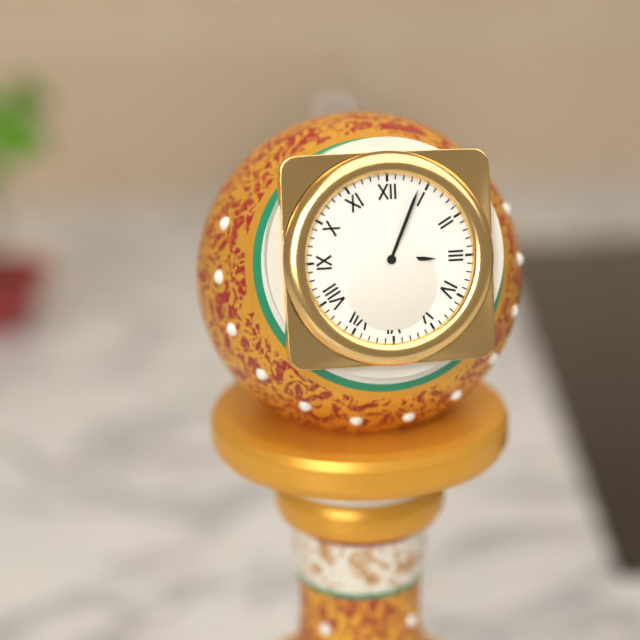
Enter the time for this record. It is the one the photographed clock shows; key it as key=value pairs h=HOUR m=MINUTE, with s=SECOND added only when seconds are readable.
h=3 m=4
